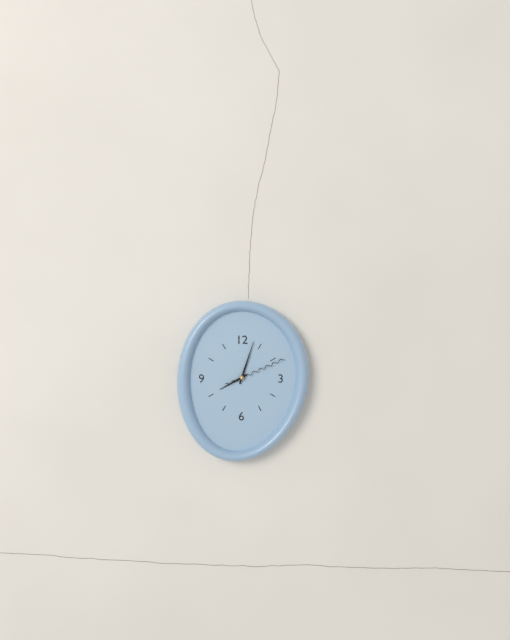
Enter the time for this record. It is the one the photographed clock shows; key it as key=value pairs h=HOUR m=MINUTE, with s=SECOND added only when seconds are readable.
h=8 m=3 s=11
